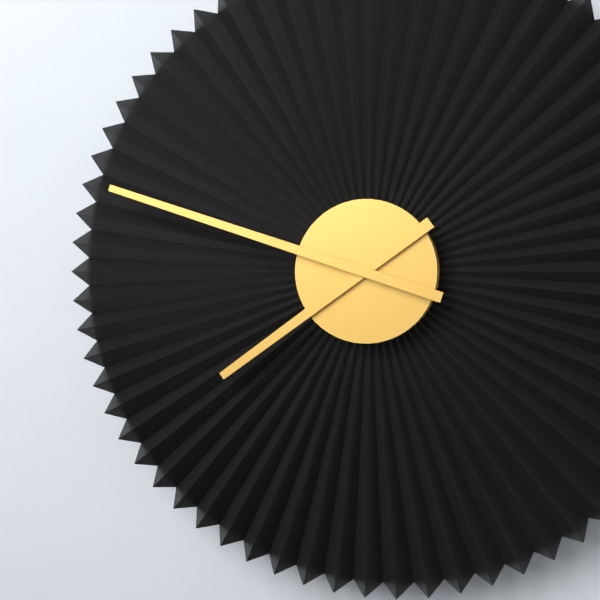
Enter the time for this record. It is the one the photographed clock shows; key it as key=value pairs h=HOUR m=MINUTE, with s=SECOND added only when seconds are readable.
h=7 m=48
